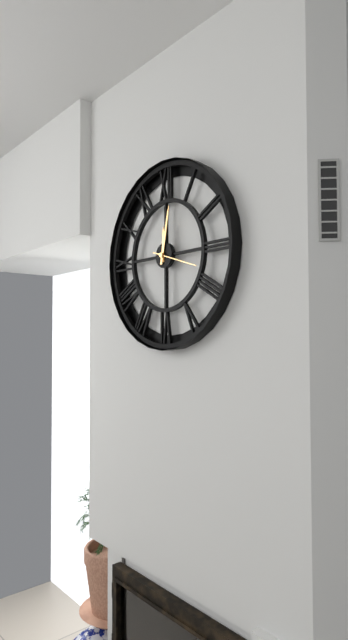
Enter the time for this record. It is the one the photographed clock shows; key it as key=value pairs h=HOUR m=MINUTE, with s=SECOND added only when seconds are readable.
h=12 m=2
